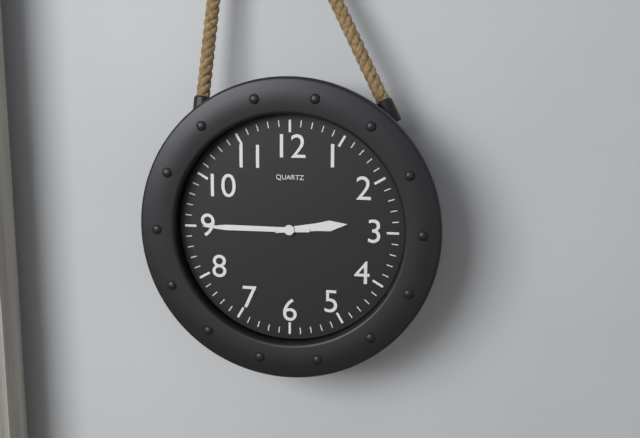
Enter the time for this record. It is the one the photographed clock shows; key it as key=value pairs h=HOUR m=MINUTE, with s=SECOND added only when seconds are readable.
h=2 m=45
